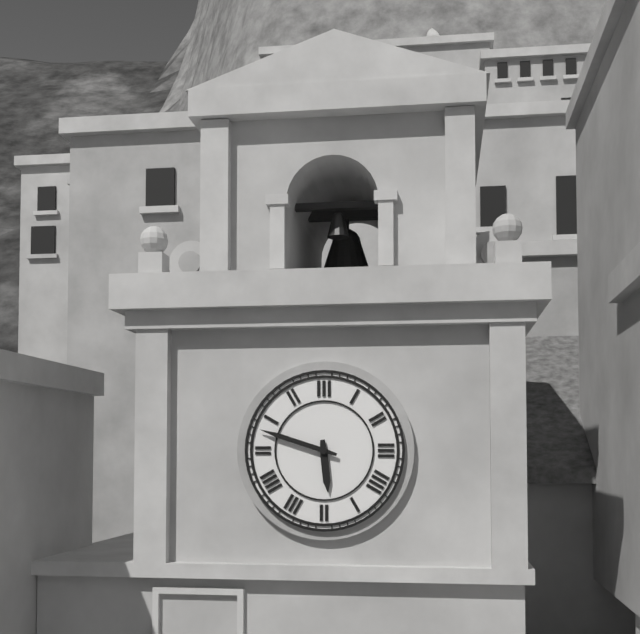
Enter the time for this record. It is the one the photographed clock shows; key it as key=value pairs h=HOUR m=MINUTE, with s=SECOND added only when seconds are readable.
h=5 m=48
